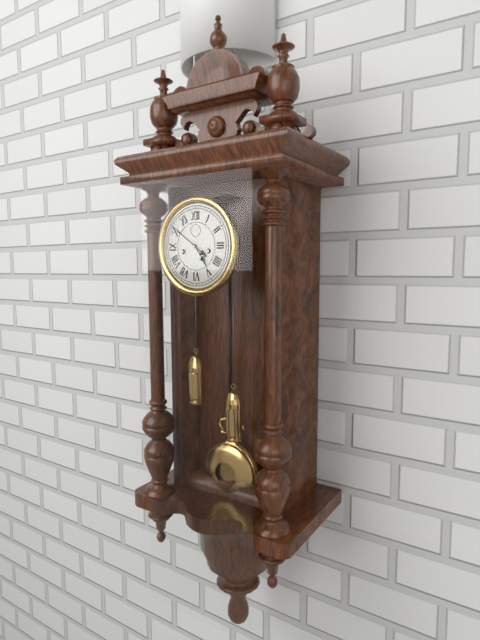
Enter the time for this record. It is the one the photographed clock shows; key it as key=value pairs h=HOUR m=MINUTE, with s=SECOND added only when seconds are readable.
h=4 m=51
